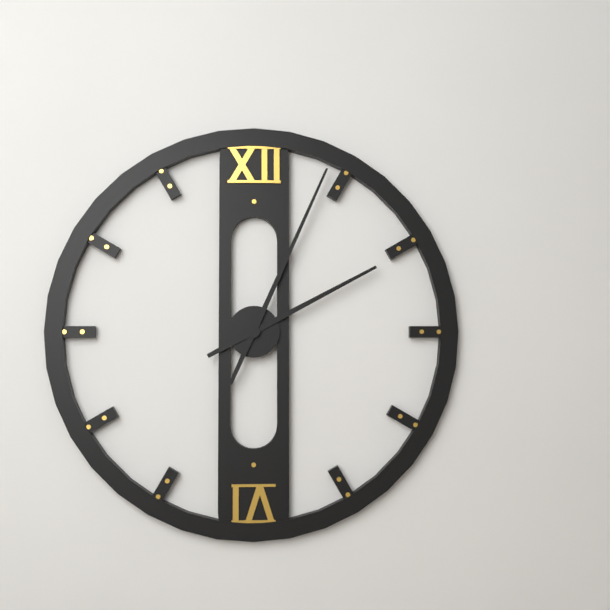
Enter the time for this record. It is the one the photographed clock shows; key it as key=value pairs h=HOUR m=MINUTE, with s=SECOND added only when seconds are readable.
h=2 m=4
